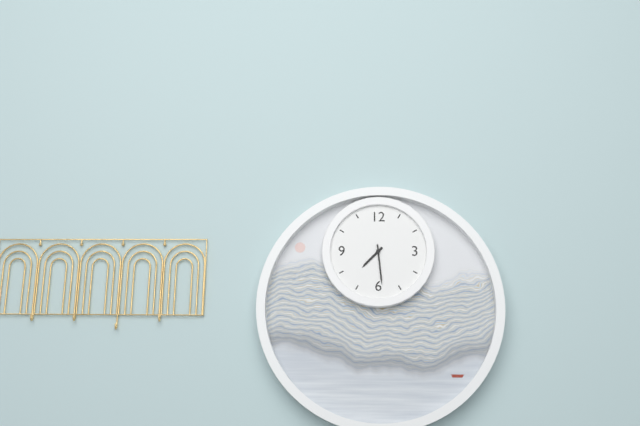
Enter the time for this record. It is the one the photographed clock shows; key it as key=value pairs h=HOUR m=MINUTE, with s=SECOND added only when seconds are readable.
h=7 m=29
